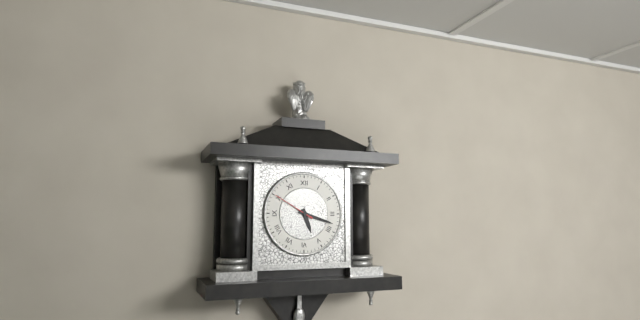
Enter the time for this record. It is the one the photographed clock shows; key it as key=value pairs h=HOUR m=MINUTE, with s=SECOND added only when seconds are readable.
h=5 m=18
